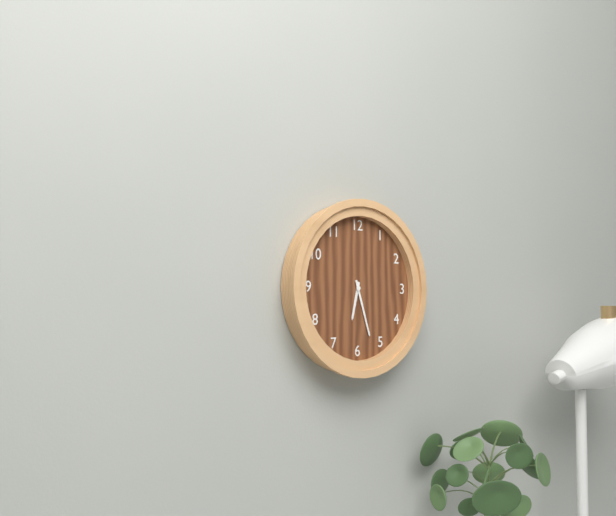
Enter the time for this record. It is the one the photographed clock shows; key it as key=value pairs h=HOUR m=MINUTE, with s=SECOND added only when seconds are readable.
h=6 m=27
